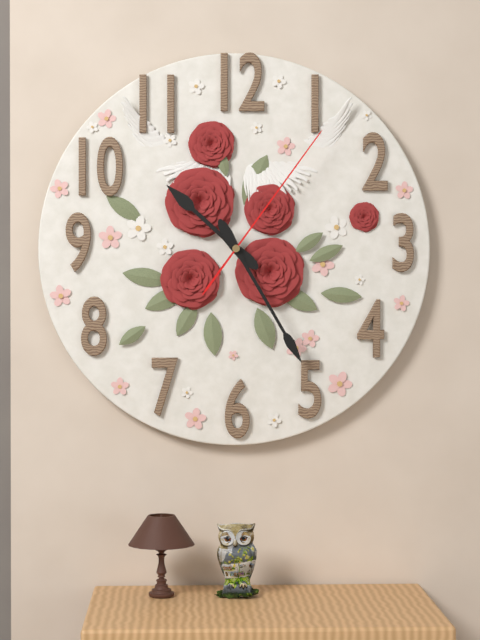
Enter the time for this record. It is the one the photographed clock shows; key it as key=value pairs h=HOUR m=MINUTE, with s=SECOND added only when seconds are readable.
h=10 m=25 s=6
